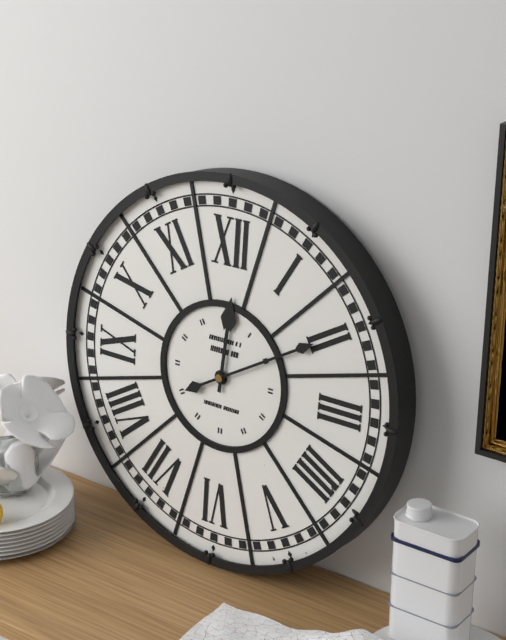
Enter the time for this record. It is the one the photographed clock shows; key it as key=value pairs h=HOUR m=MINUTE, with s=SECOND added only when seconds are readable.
h=12 m=10
